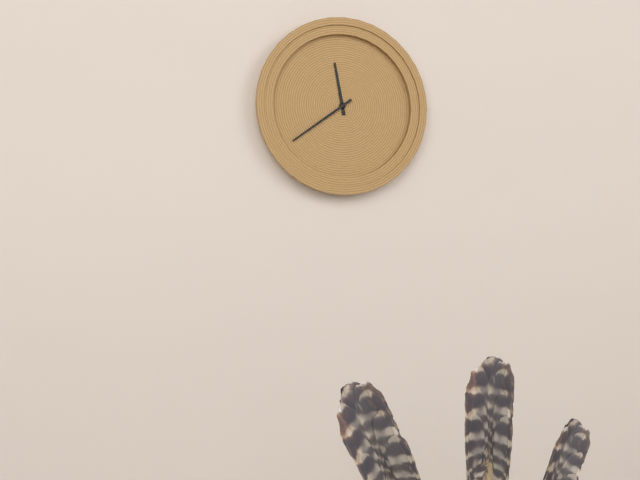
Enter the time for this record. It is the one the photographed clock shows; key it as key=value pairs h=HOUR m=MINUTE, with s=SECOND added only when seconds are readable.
h=11 m=39
